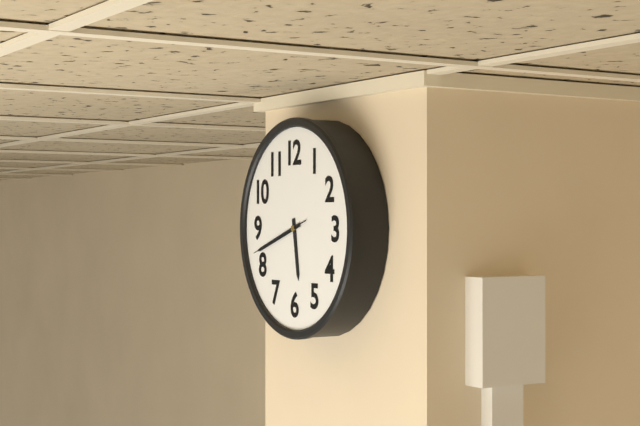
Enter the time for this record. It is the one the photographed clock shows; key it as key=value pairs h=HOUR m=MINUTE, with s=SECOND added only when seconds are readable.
h=5 m=42 s=42
